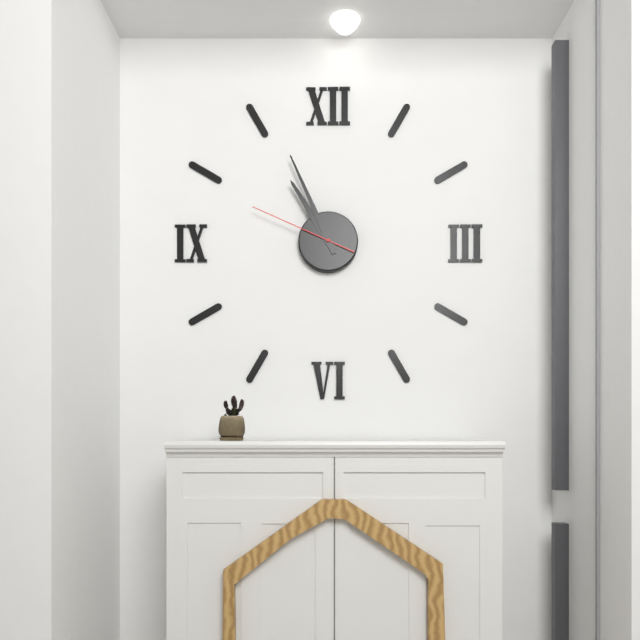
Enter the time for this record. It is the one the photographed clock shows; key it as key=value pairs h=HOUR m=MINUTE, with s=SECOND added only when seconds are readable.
h=10 m=56 s=49
